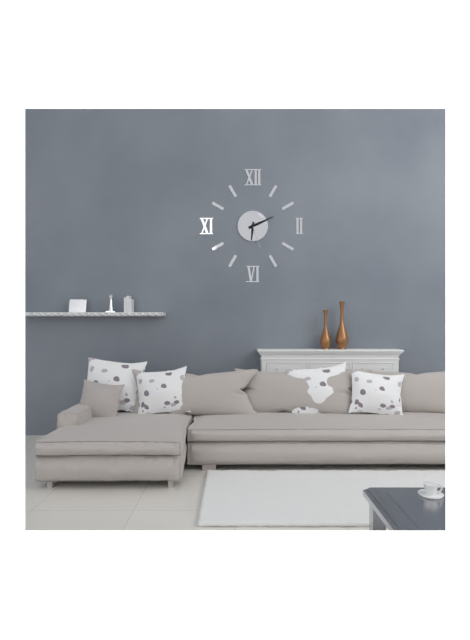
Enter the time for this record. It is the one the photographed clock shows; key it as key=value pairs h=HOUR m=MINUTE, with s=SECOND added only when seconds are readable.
h=6 m=11
